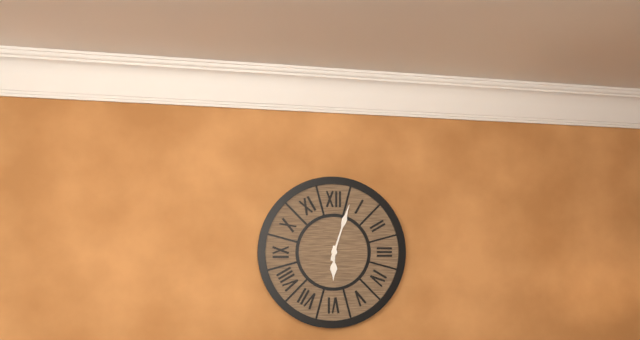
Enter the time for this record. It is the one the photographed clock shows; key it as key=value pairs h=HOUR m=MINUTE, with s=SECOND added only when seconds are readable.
h=6 m=3
